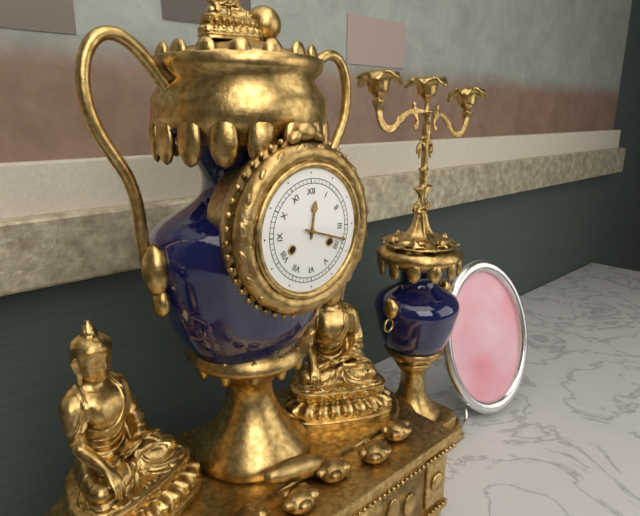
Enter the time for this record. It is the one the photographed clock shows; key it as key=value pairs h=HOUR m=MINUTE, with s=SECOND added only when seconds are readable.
h=12 m=18
